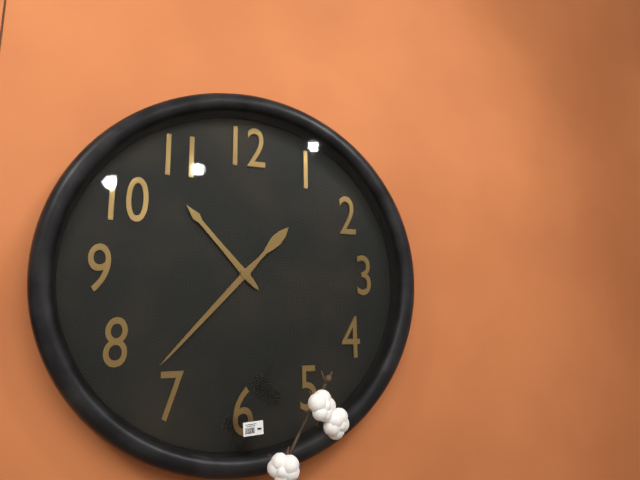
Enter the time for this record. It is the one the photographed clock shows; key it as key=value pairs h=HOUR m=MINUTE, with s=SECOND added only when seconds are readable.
h=10 m=37
